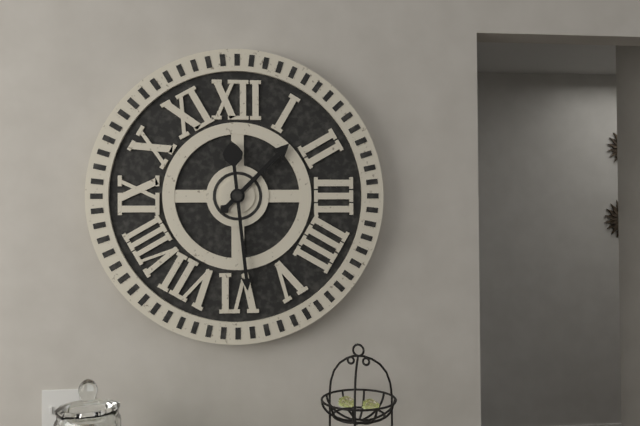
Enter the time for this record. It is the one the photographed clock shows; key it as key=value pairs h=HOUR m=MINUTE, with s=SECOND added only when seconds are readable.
h=1 m=29
